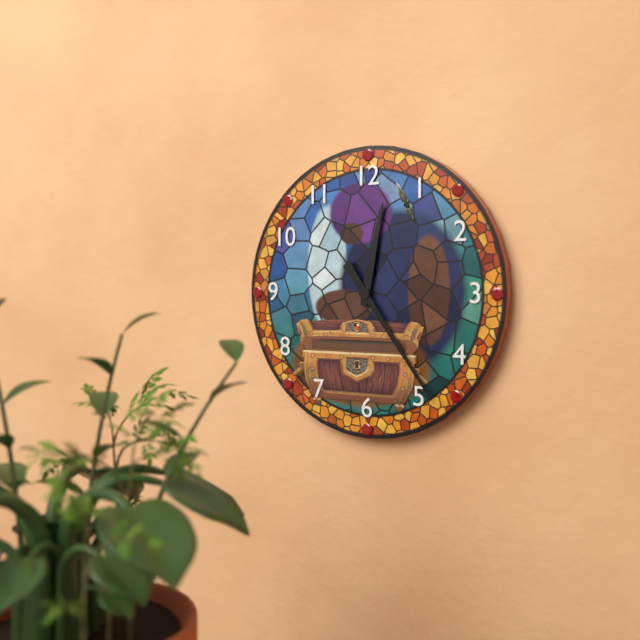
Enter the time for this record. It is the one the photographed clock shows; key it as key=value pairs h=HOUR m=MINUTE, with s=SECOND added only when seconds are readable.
h=12 m=24
